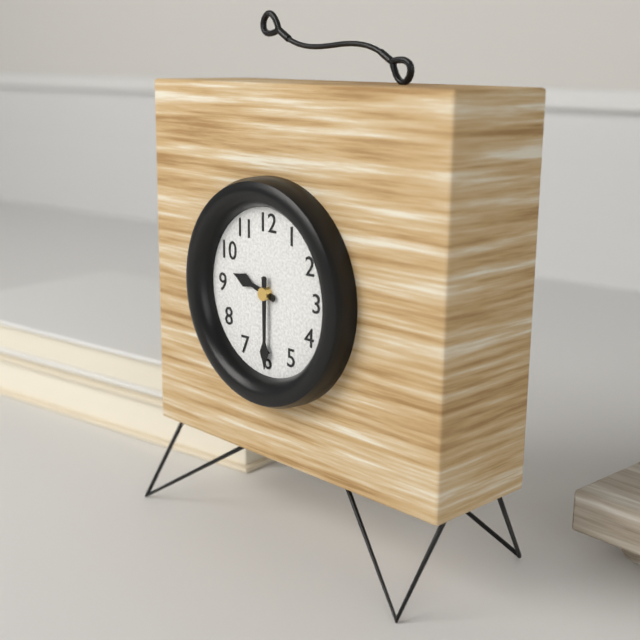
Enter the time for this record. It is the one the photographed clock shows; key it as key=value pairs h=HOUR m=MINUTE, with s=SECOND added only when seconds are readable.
h=9 m=30
